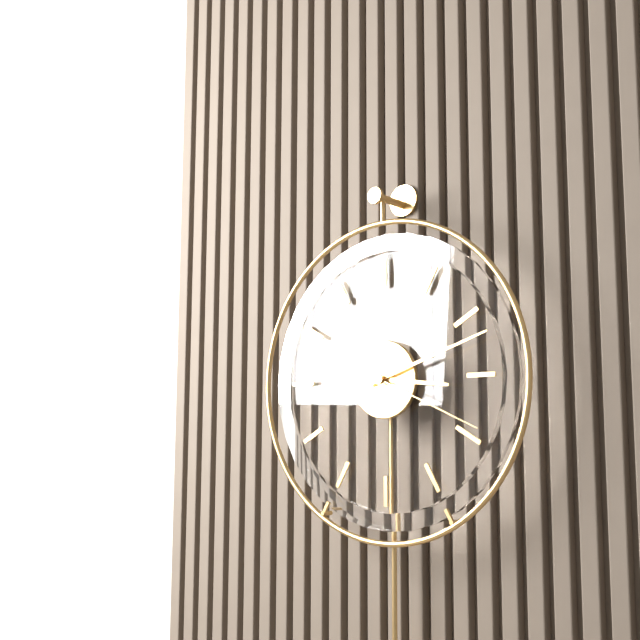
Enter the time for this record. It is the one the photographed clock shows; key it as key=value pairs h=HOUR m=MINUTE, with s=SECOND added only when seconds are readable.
h=3 m=12 s=19
